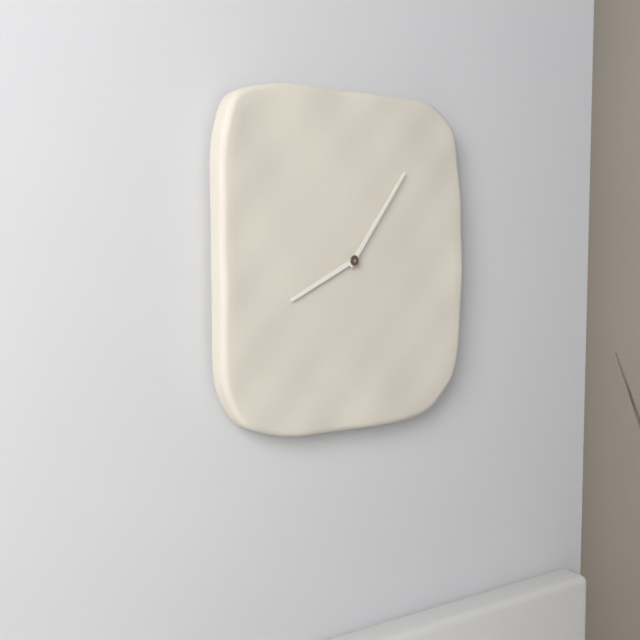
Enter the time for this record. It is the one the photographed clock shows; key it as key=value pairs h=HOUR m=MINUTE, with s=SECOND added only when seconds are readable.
h=8 m=6
